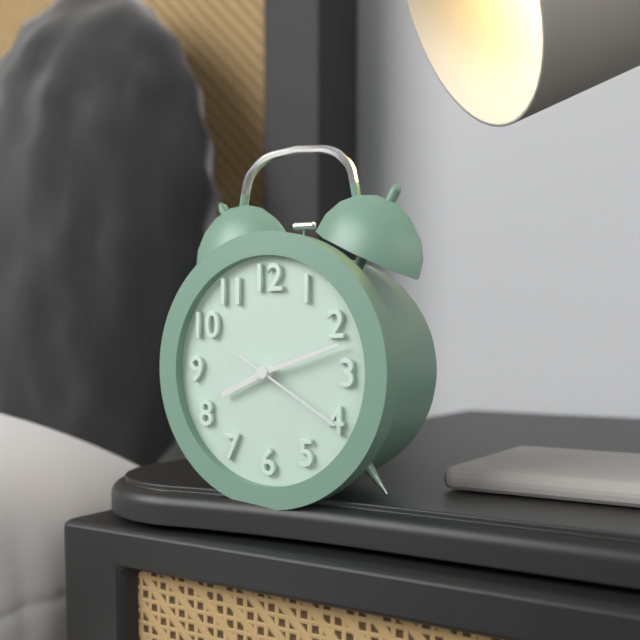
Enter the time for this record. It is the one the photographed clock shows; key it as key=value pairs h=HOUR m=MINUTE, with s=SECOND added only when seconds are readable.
h=8 m=12 s=20
